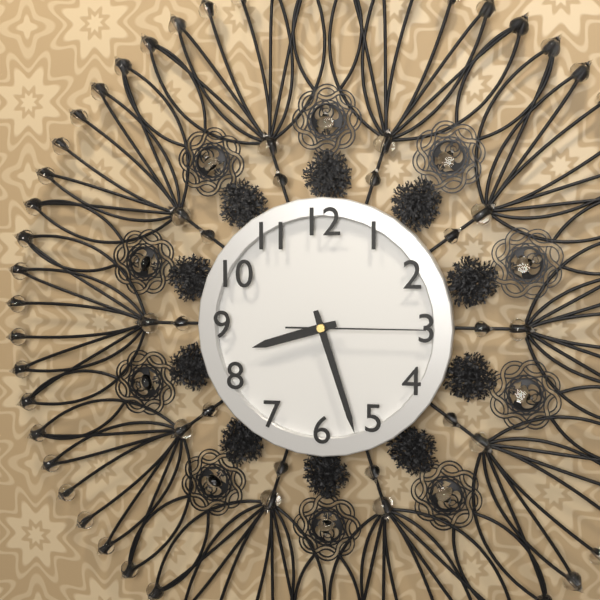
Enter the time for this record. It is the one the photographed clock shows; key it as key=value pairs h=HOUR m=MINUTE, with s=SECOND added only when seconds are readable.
h=8 m=27 s=15
